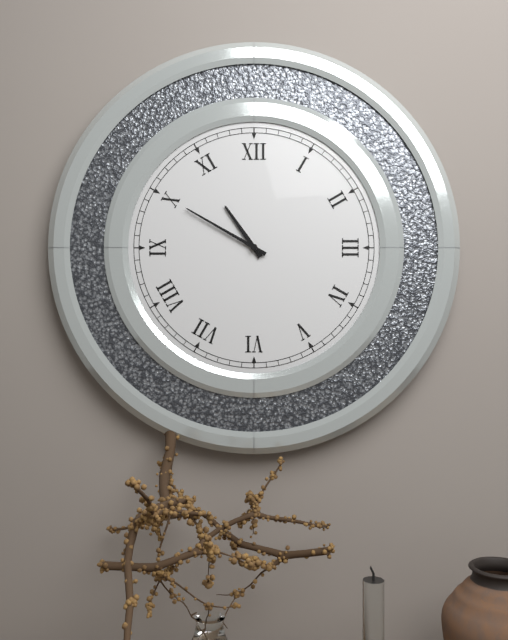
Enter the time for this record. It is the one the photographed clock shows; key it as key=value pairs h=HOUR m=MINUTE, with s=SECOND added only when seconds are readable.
h=10 m=50
